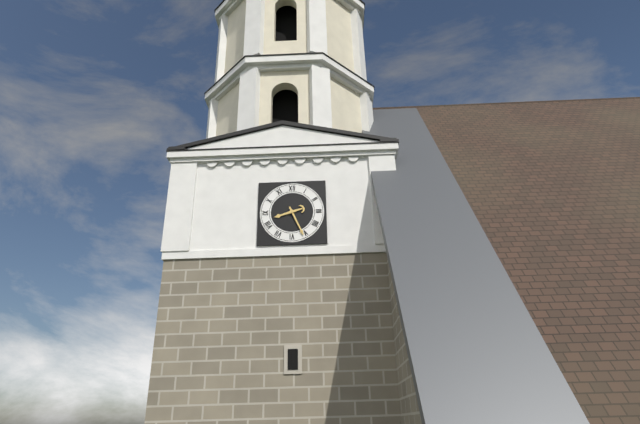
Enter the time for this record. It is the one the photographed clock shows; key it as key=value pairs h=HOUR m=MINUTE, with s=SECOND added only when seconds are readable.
h=8 m=26
